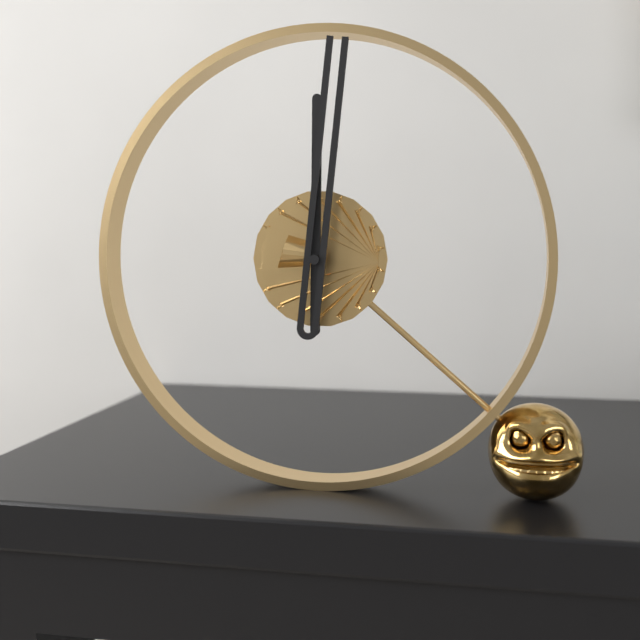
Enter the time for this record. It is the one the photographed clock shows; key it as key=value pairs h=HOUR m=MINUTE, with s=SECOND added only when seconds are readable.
h=12 m=1
